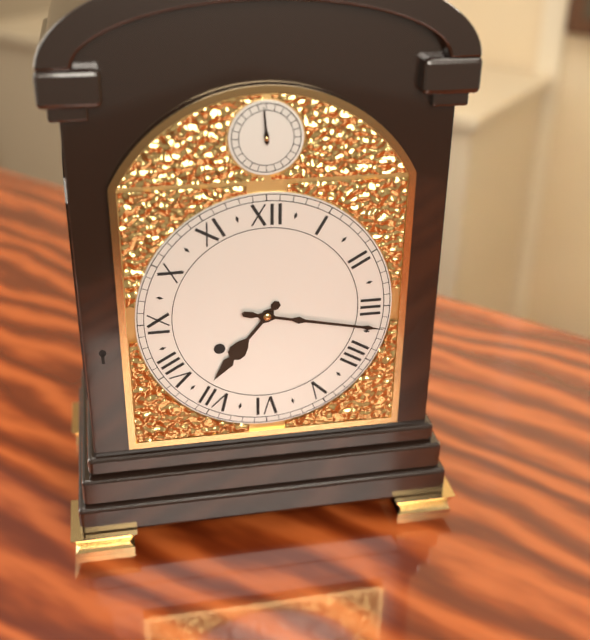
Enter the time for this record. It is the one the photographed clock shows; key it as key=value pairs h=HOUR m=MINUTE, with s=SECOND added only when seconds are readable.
h=7 m=17
